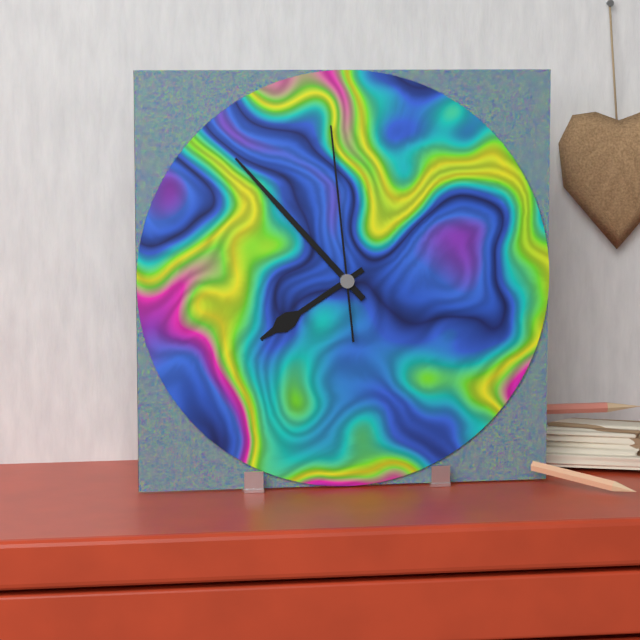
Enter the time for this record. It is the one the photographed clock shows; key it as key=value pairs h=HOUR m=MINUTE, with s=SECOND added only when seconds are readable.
h=7 m=53 s=59
